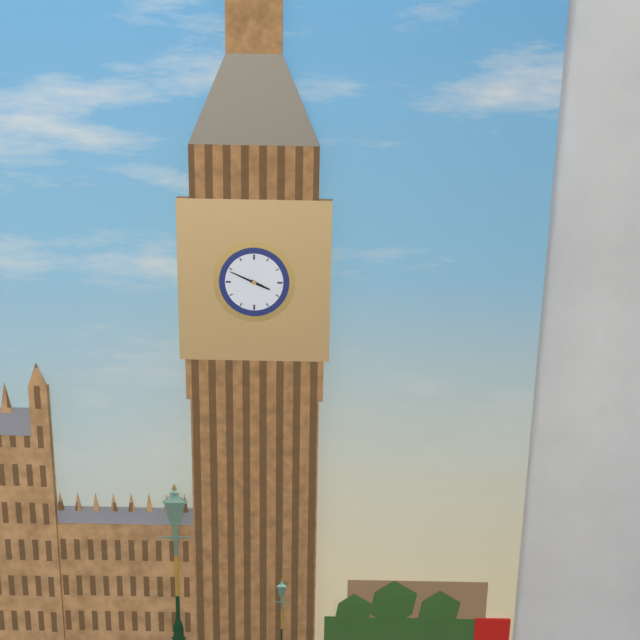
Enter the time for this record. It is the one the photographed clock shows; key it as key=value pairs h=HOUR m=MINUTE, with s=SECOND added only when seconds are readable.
h=3 m=49
